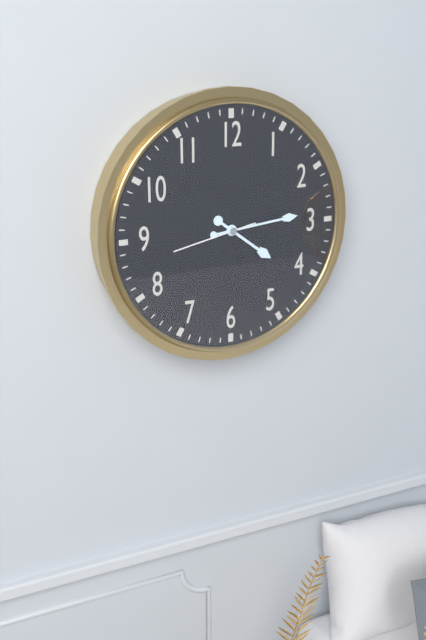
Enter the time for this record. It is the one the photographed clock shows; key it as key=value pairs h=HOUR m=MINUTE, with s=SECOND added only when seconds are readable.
h=4 m=14 s=43
